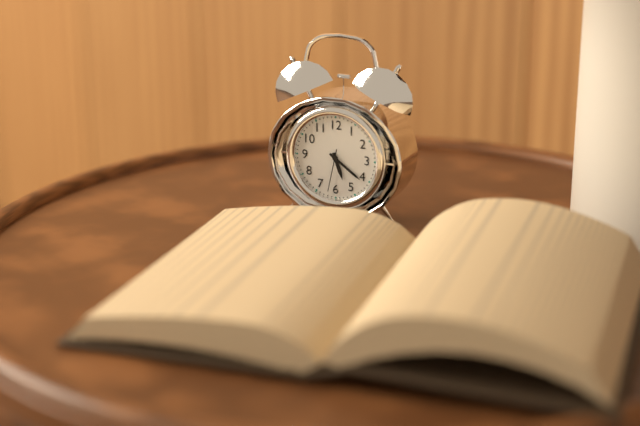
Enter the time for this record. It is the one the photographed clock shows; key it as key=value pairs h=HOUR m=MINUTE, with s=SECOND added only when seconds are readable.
h=5 m=21
